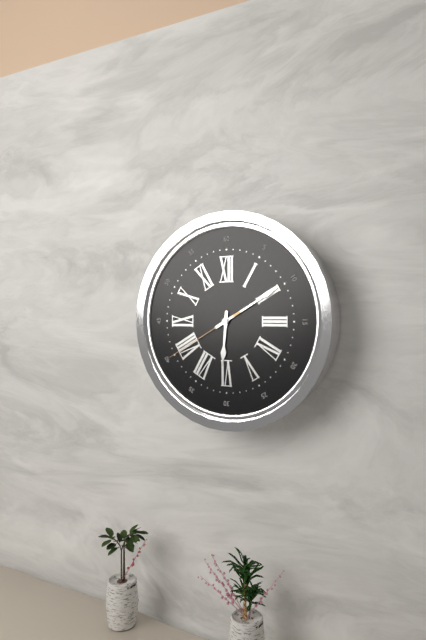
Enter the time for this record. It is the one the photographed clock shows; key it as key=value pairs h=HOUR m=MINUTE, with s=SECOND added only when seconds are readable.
h=6 m=10 s=40
